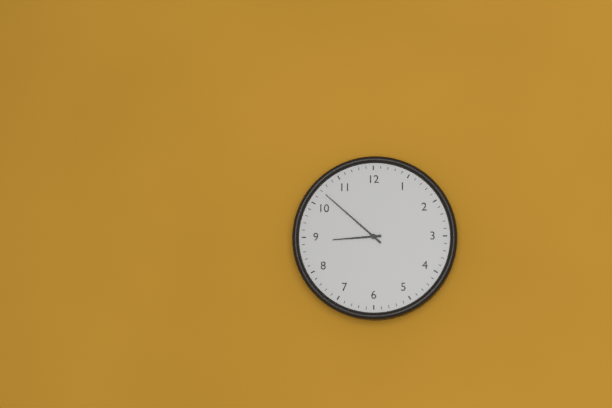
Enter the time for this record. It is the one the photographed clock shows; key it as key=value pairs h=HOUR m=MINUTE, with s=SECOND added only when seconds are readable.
h=8 m=52
